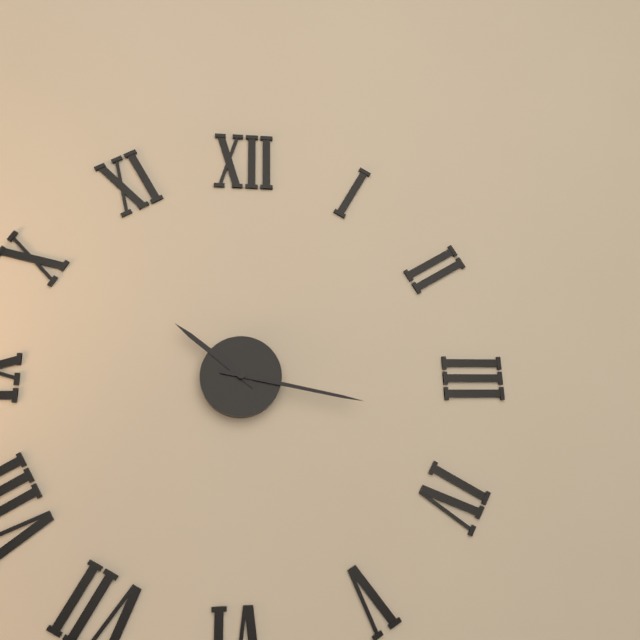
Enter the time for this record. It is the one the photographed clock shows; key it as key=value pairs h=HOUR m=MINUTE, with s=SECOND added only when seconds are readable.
h=10 m=17
